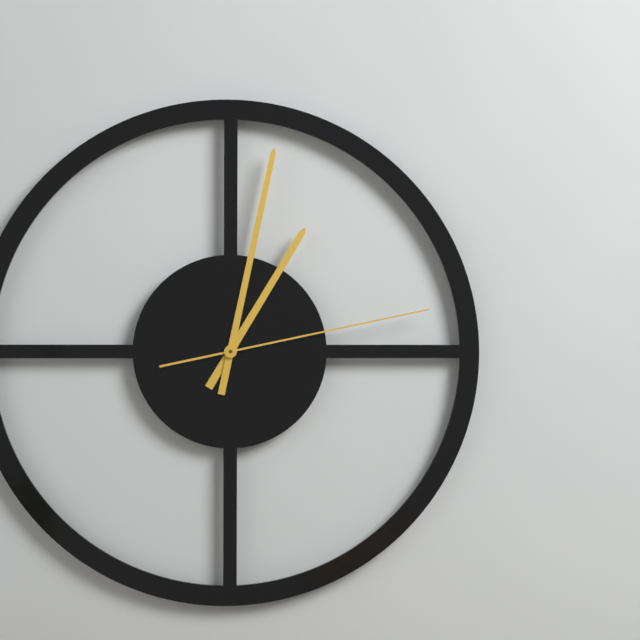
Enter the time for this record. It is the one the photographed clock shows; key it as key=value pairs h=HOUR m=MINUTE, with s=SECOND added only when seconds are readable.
h=1 m=2 s=13
